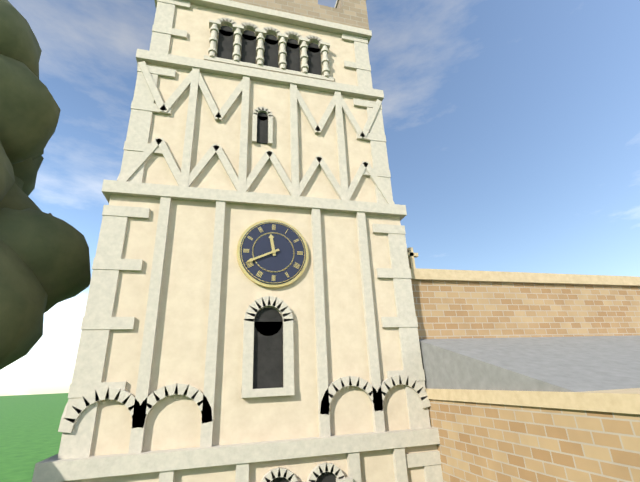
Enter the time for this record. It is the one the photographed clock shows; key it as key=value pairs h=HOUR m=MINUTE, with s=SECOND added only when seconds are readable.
h=11 m=41
